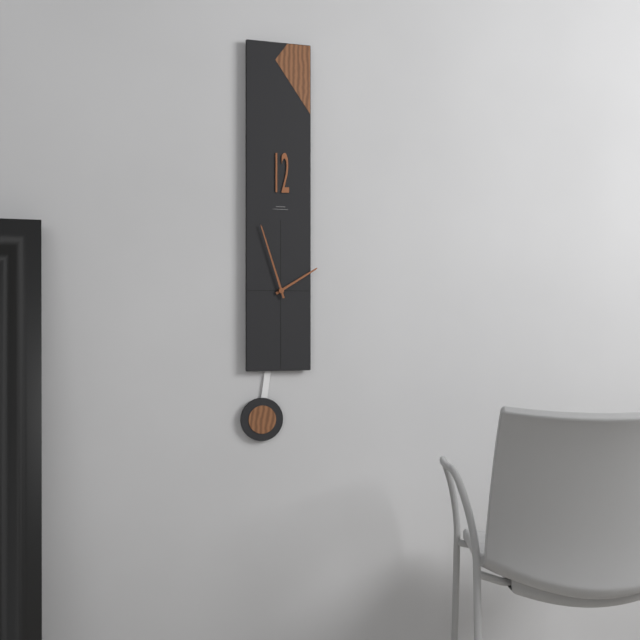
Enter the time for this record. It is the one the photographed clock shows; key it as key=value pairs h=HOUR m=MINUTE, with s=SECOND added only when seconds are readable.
h=1 m=57
